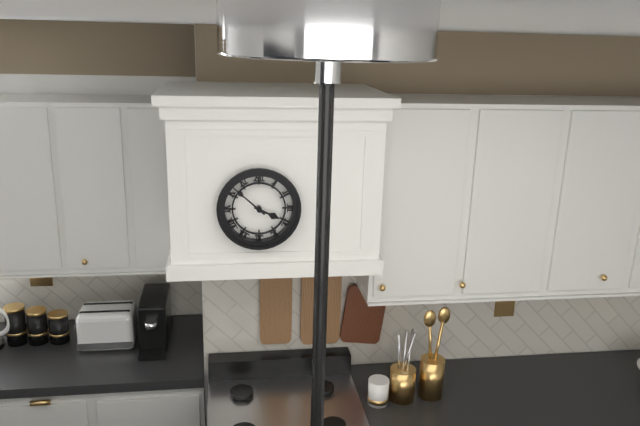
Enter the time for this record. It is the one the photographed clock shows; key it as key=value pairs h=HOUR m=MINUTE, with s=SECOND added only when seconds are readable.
h=3 m=52
